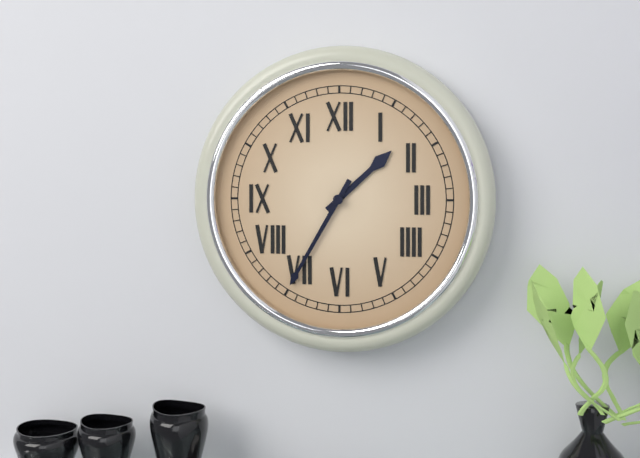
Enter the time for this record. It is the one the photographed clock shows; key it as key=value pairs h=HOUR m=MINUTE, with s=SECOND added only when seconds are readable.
h=1 m=35
